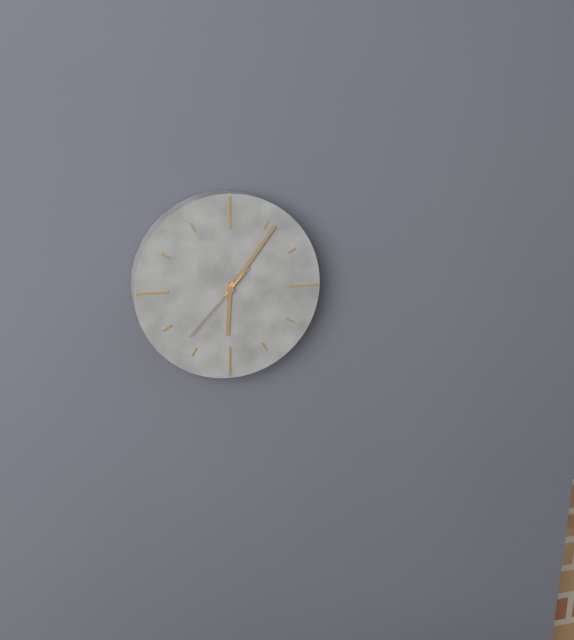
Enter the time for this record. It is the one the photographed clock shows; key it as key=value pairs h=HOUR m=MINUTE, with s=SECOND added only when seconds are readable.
h=6 m=6 s=37
